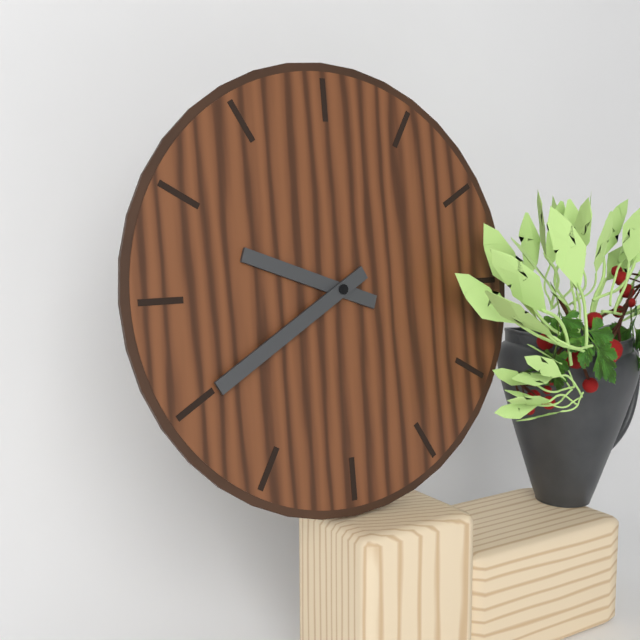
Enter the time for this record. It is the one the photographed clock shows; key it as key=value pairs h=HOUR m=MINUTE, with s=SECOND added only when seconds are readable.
h=9 m=40
